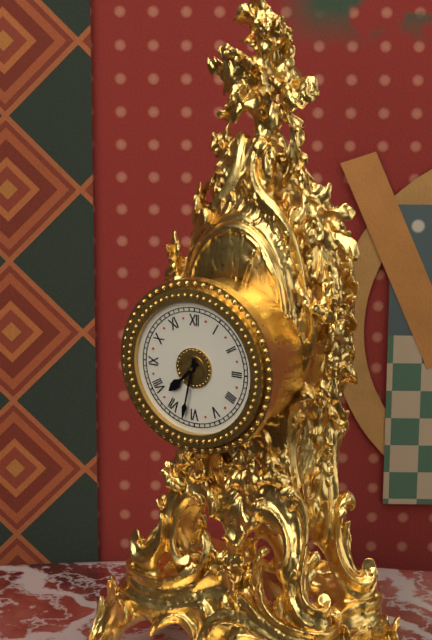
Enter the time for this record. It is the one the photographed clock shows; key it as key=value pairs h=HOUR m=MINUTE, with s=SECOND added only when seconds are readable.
h=7 m=32
